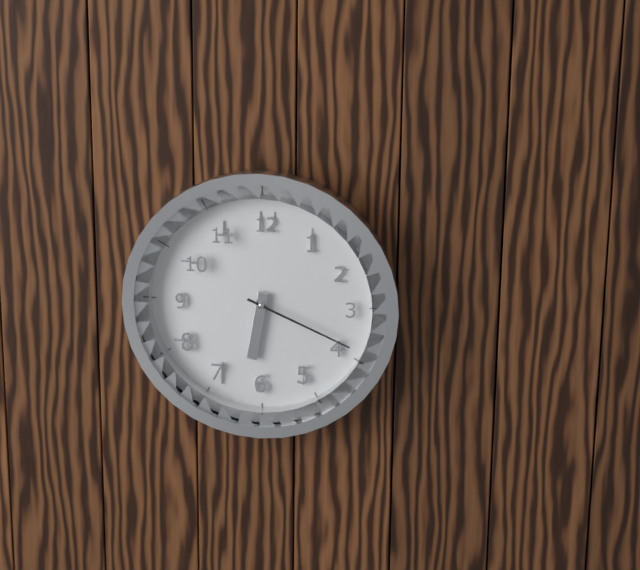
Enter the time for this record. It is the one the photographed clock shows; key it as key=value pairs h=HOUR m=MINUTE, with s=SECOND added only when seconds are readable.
h=6 m=19
